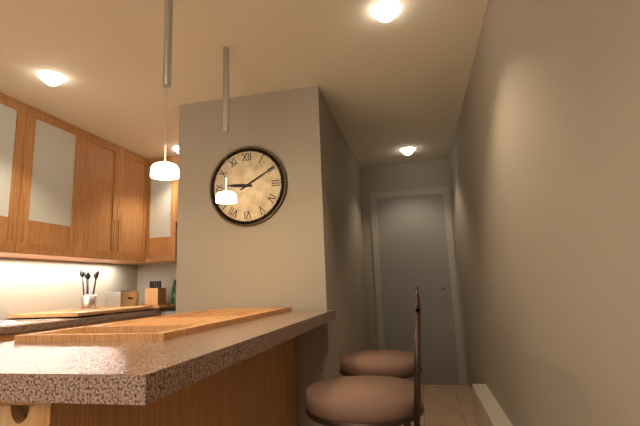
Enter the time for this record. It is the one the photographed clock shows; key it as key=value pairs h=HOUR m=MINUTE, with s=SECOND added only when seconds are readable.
h=9 m=10
